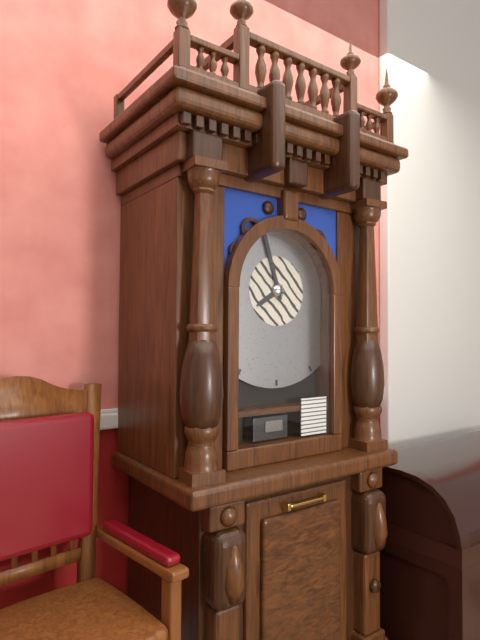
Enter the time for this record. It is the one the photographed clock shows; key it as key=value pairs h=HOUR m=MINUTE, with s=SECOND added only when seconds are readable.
h=7 m=57
